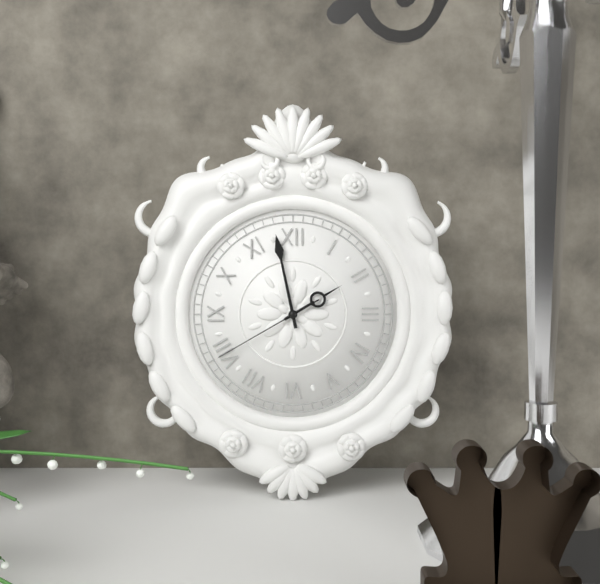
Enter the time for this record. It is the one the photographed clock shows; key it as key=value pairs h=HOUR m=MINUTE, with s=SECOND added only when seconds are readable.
h=1 m=58 s=40
